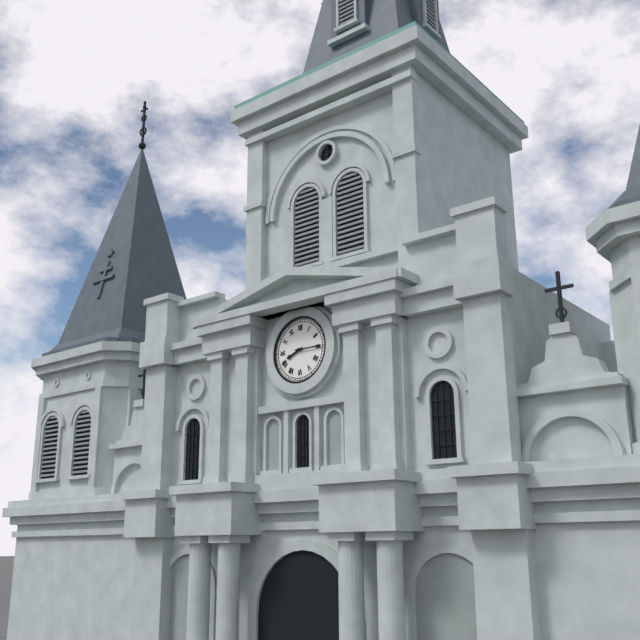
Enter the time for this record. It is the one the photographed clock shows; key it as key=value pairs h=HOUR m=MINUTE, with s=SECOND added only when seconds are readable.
h=8 m=15
